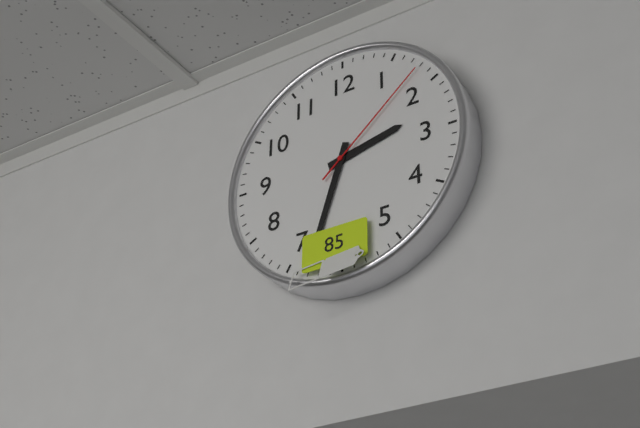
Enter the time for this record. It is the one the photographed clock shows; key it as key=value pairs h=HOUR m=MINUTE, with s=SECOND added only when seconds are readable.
h=2 m=33 s=8
